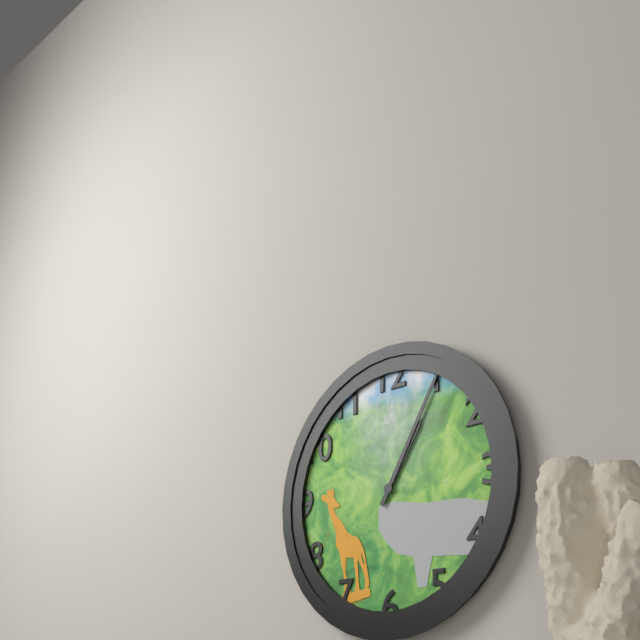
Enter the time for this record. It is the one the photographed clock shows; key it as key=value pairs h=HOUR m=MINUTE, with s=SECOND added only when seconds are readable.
h=1 m=5
